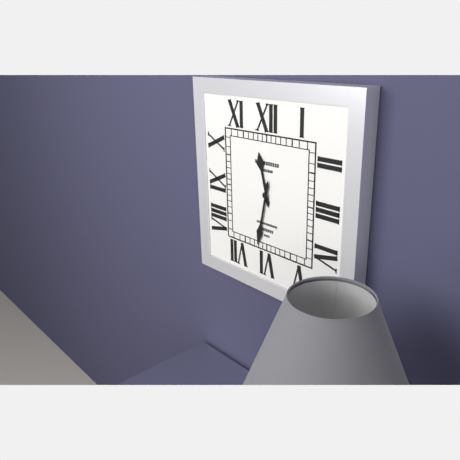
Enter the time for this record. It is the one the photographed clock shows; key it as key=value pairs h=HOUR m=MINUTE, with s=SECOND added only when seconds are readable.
h=11 m=32
